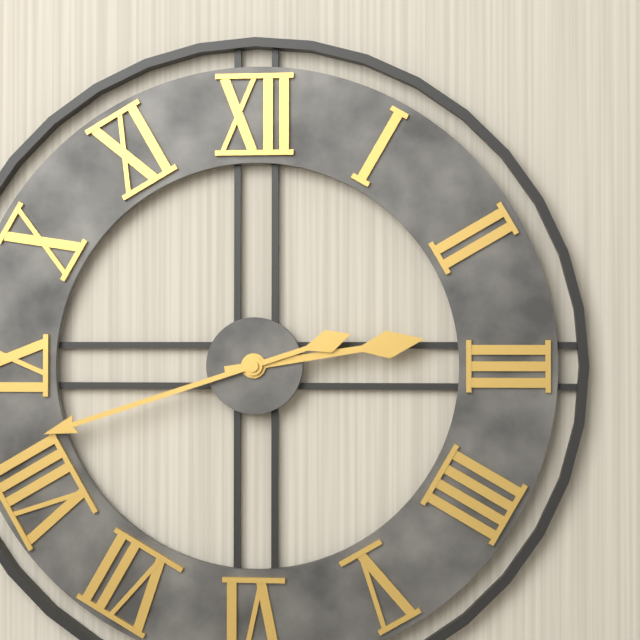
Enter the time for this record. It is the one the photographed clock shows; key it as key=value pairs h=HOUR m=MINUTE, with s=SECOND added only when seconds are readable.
h=2 m=42
